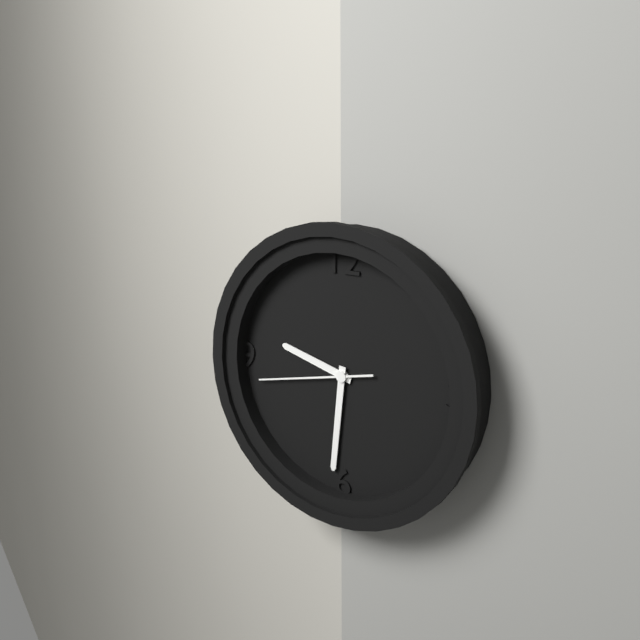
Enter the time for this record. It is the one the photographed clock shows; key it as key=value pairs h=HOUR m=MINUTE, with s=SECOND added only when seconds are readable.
h=9 m=31 s=43
